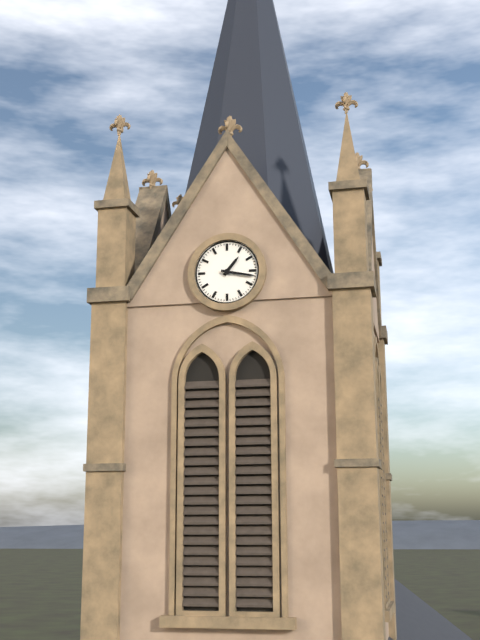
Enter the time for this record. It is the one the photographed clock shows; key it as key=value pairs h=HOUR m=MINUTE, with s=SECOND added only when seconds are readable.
h=1 m=17
